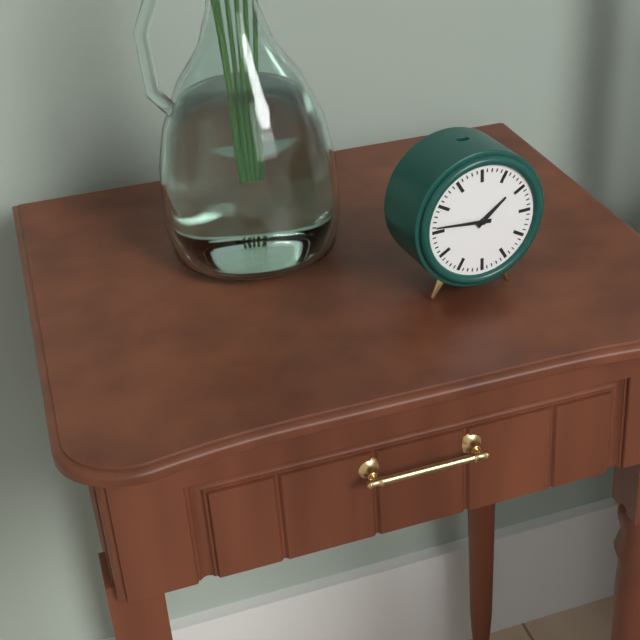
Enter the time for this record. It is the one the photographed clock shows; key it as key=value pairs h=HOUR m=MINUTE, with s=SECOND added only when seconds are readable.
h=1 m=46
